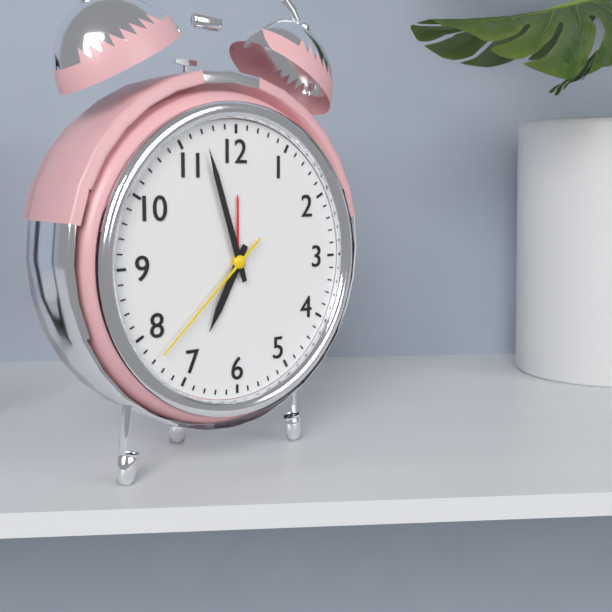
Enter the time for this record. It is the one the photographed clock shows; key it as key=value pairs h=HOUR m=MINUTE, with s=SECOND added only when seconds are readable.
h=6 m=57 s=38
